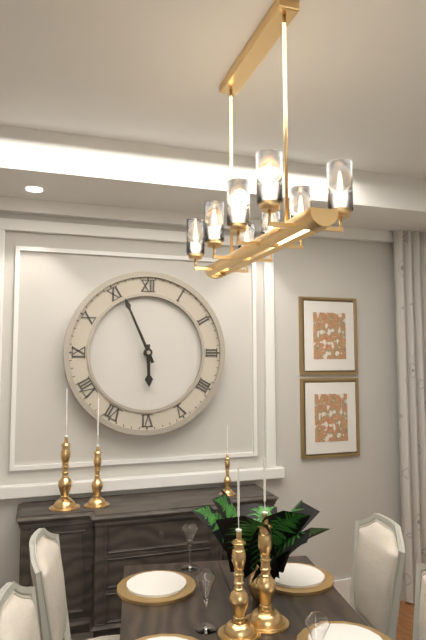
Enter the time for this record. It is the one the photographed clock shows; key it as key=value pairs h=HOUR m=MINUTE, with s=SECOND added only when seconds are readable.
h=5 m=56
